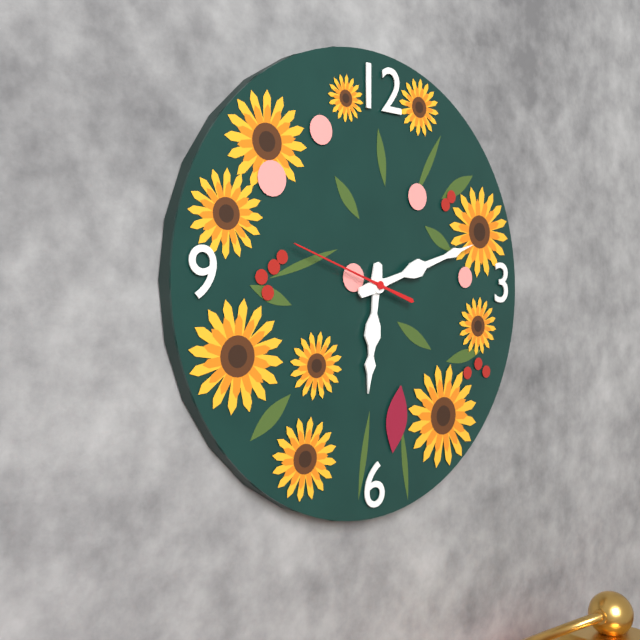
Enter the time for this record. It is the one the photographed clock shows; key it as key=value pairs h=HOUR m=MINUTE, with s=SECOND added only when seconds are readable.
h=6 m=12 s=48
